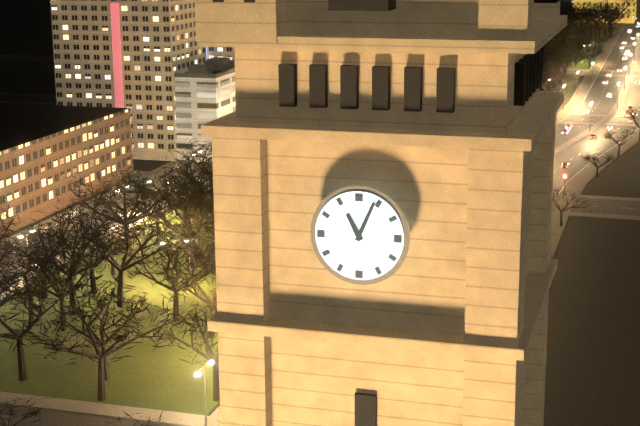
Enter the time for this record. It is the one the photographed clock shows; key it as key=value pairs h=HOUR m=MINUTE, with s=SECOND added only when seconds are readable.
h=11 m=4
